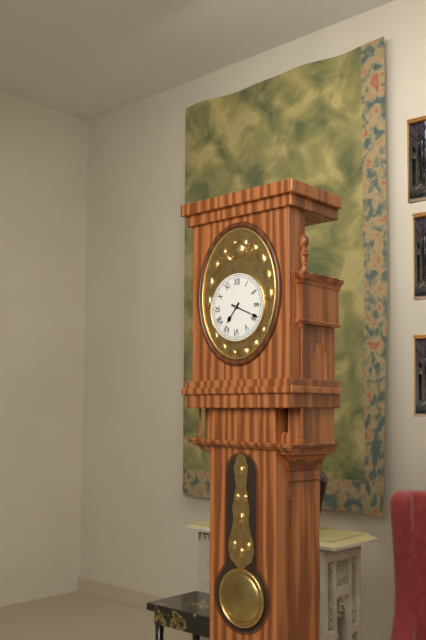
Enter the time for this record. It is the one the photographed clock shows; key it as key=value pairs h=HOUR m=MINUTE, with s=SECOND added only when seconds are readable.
h=7 m=19
